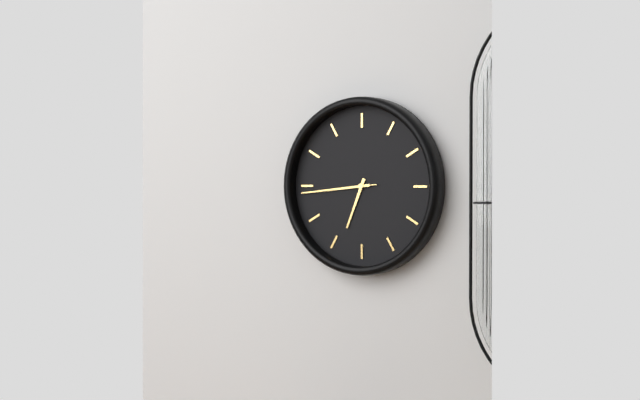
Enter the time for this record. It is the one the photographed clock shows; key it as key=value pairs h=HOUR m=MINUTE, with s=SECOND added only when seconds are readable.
h=6 m=44 s=44
